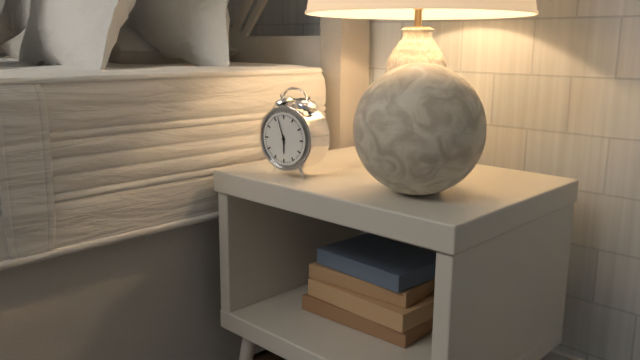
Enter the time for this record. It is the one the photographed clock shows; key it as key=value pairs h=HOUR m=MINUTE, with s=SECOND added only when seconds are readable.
h=5 m=57
